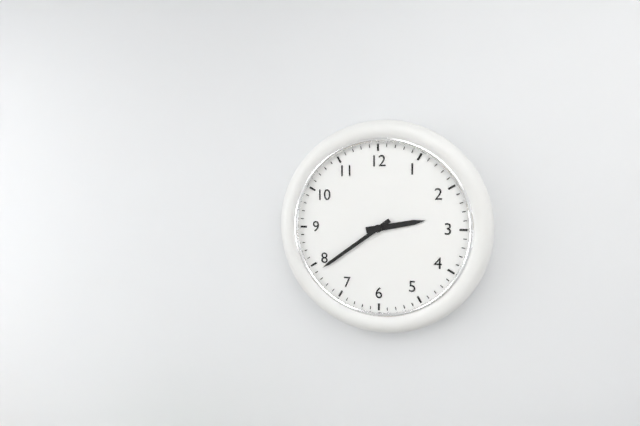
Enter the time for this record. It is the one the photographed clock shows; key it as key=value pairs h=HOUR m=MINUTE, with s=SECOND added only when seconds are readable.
h=2 m=39
